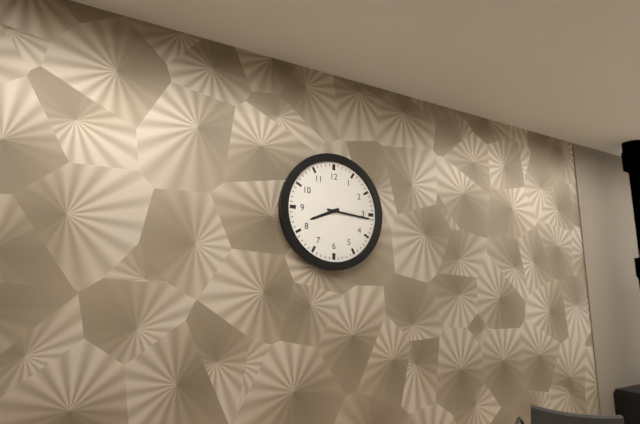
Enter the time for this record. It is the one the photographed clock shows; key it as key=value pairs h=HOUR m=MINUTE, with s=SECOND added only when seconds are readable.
h=8 m=16
